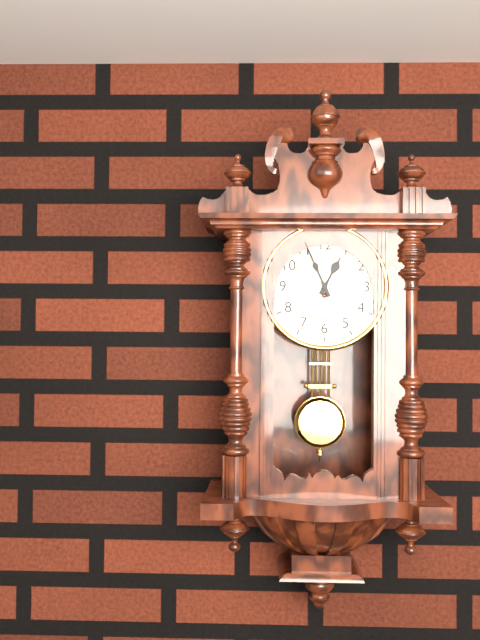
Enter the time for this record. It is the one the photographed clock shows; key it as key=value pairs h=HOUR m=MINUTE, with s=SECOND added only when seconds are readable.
h=12 m=56
